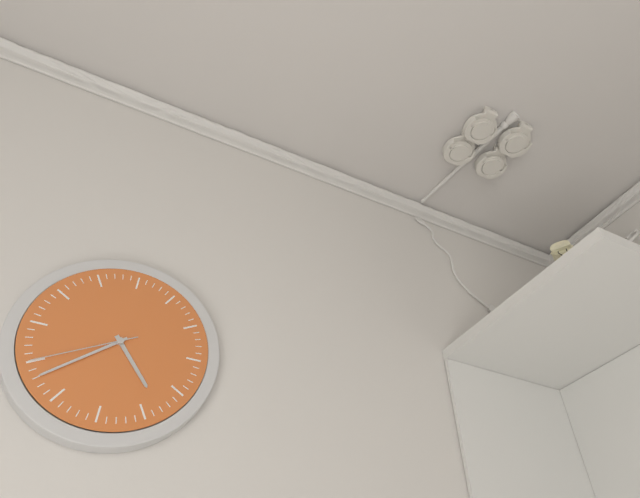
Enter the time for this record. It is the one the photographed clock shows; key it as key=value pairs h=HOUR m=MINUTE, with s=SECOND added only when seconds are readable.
h=4 m=38 s=40
